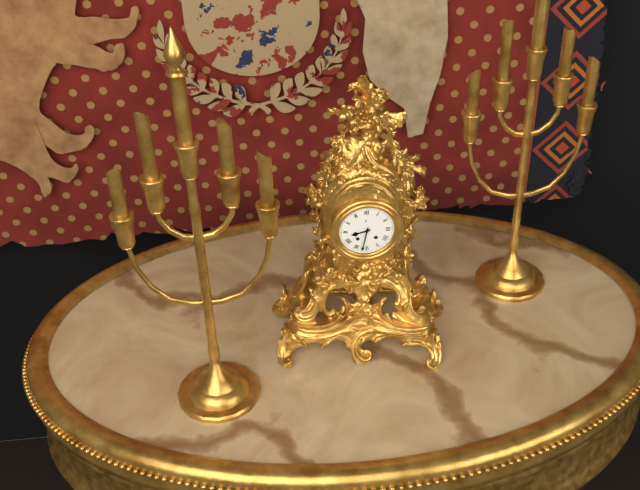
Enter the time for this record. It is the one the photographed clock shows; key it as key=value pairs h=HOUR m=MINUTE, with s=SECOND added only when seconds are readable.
h=8 m=32
